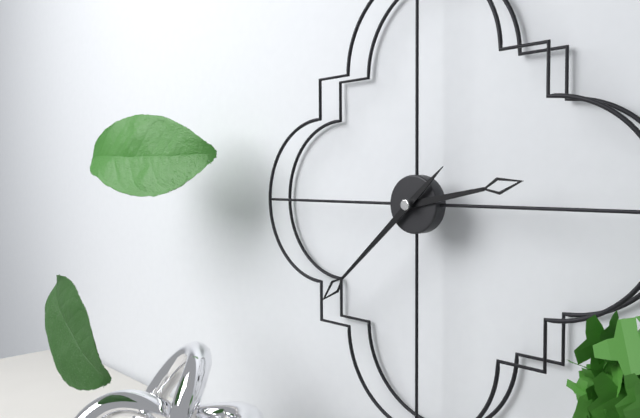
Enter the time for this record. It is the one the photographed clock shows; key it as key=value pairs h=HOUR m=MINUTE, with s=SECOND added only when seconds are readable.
h=2 m=38
